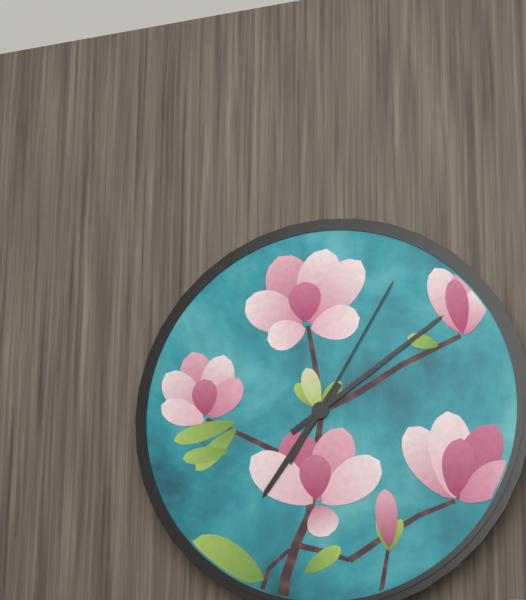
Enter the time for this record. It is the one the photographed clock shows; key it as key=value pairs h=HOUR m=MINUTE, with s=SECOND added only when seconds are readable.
h=7 m=9 s=5
